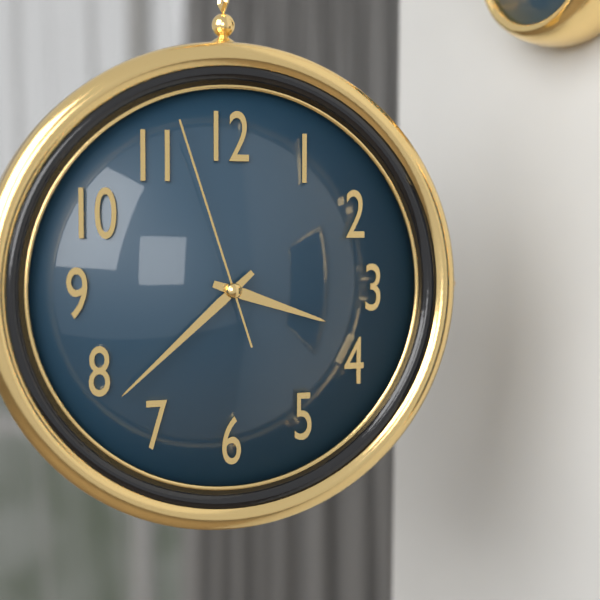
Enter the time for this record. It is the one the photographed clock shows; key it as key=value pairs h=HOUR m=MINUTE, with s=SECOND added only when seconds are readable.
h=3 m=38 s=57
